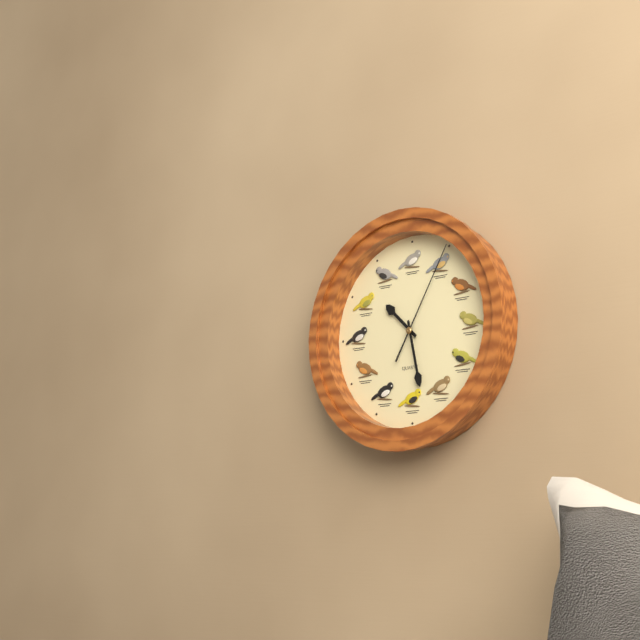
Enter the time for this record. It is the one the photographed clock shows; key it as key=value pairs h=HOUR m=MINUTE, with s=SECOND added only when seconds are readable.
h=10 m=28 s=5
